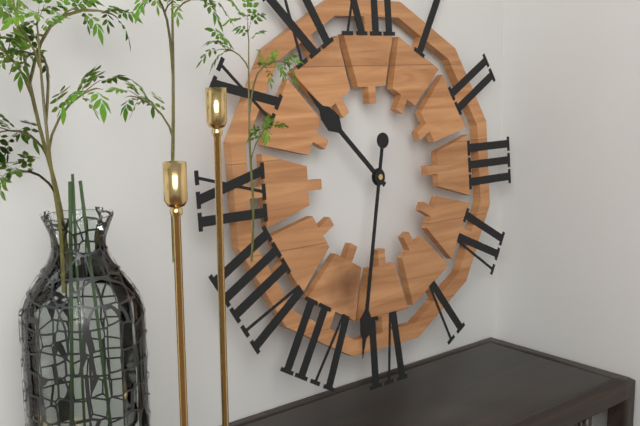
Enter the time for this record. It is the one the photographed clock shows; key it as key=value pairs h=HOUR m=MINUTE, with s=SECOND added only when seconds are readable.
h=10 m=32
